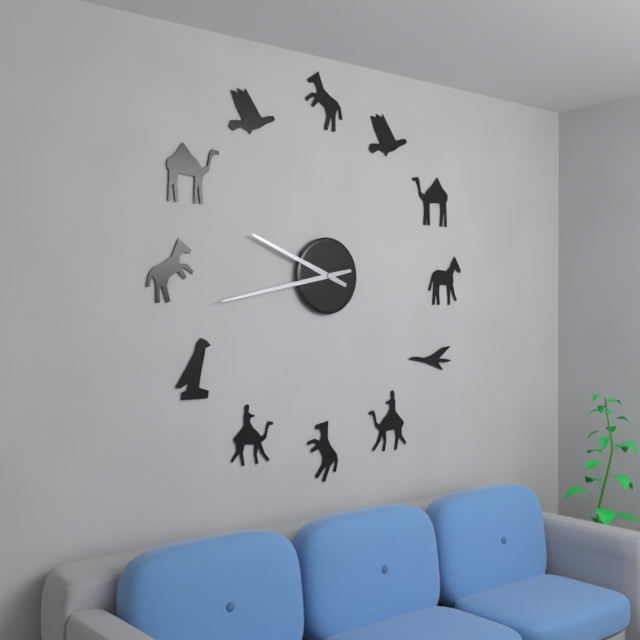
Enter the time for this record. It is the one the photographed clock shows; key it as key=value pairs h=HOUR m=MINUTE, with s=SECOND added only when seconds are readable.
h=9 m=43
